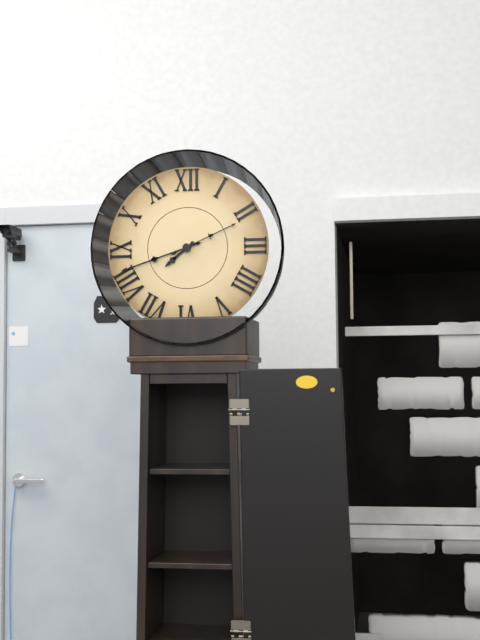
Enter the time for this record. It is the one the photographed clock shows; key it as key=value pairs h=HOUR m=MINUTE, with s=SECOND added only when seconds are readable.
h=7 m=42 s=11
